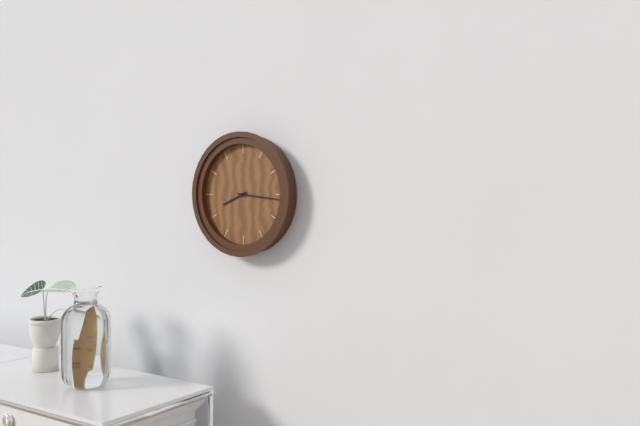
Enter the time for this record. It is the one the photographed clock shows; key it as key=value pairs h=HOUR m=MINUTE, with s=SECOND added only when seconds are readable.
h=8 m=16
